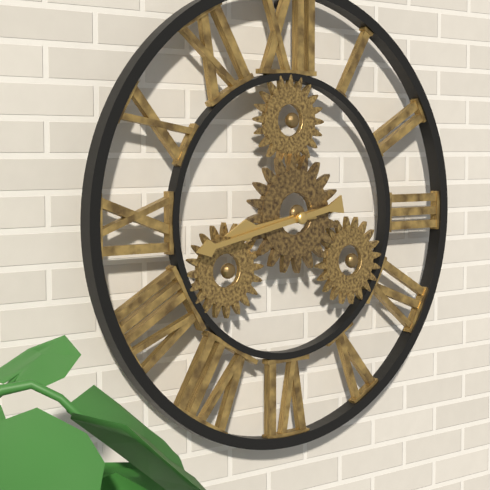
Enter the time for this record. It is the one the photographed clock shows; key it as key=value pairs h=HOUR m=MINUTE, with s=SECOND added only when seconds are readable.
h=8 m=43
